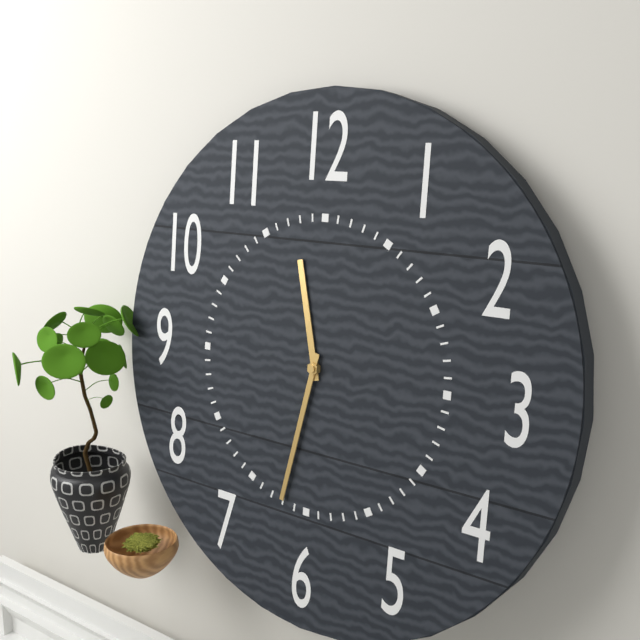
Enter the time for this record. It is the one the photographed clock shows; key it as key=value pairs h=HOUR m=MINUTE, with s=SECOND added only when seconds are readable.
h=11 m=32
